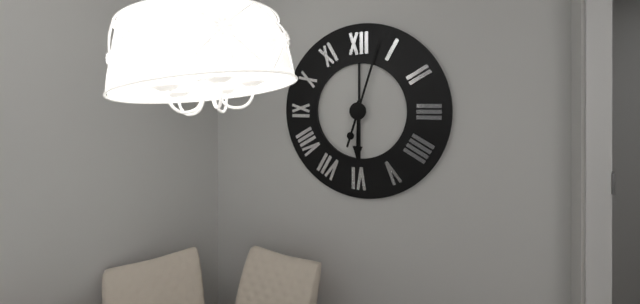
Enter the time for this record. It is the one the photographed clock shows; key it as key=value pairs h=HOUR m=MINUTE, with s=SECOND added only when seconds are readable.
h=6 m=3
